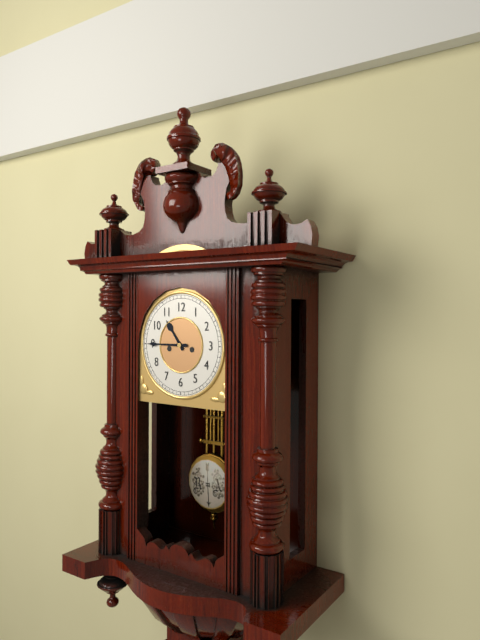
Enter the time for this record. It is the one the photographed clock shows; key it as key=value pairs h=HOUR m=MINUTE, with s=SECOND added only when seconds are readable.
h=10 m=45
